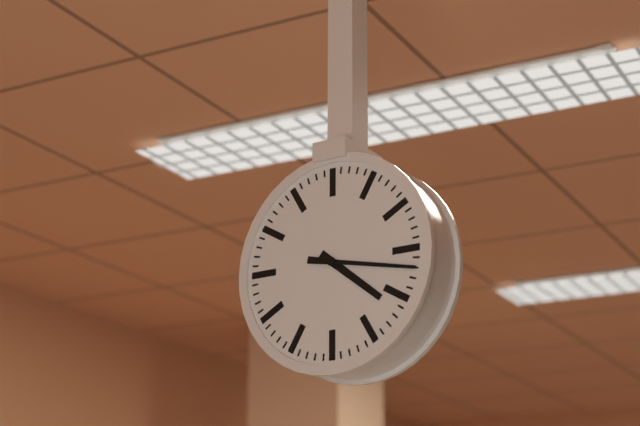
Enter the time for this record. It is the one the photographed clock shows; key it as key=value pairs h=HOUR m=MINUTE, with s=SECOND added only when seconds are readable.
h=4 m=17
